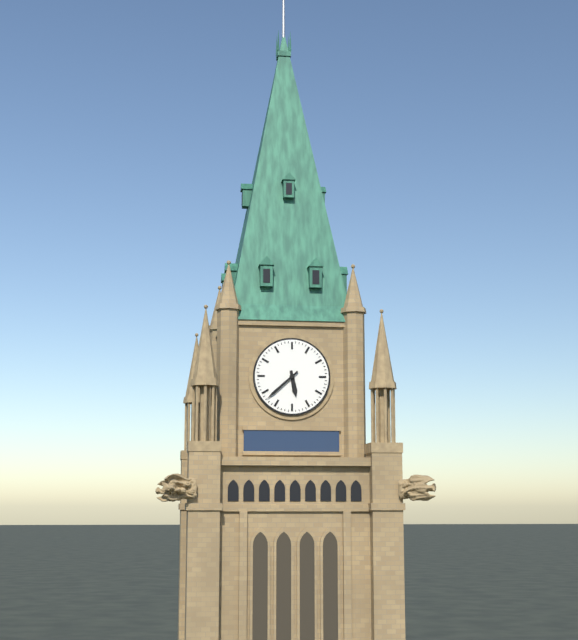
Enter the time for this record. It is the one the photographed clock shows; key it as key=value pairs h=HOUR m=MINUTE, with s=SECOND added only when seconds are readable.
h=5 m=38
